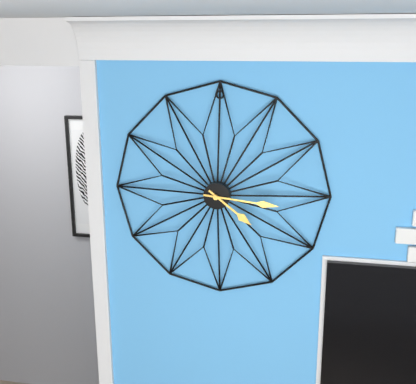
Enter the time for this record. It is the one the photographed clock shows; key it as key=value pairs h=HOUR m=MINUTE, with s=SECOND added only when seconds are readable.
h=4 m=16
